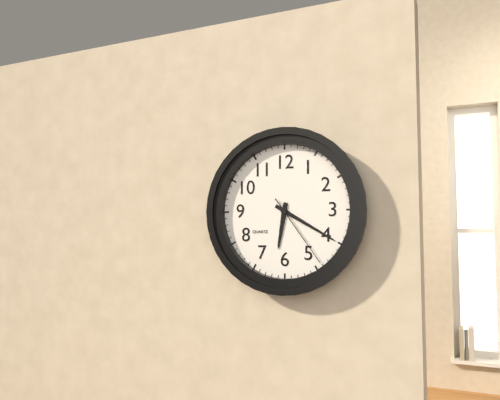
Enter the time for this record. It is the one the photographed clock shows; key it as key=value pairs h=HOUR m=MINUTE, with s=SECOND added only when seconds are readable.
h=6 m=20 s=24
